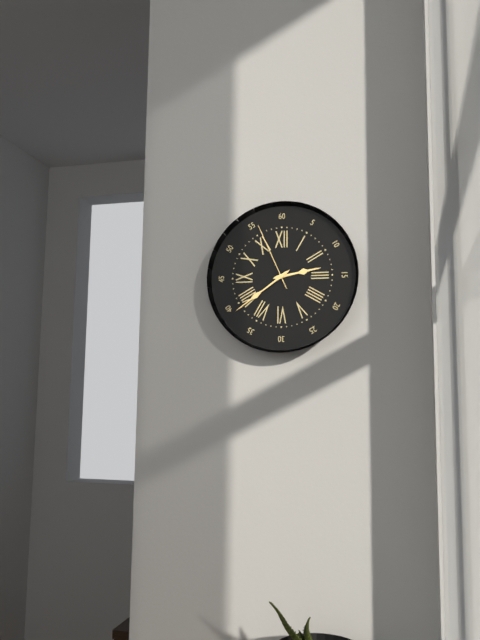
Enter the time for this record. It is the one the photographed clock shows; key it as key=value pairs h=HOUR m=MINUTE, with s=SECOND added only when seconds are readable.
h=2 m=39 s=56
